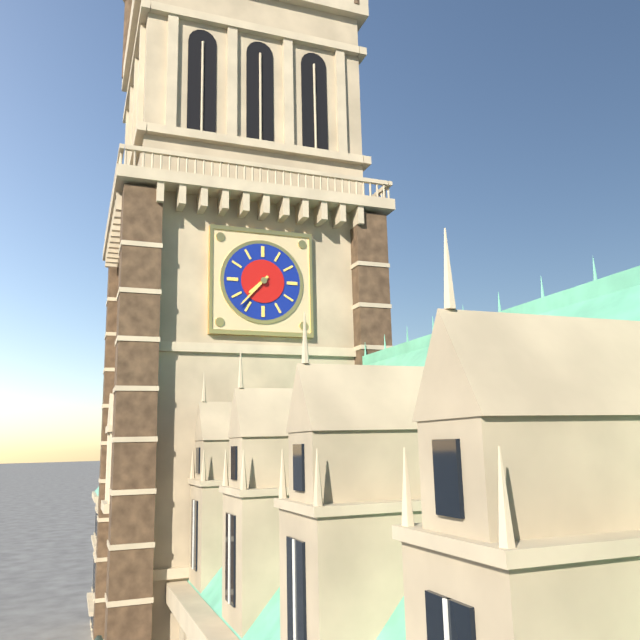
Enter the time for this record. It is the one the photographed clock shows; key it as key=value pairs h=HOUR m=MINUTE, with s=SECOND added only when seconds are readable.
h=7 m=37
